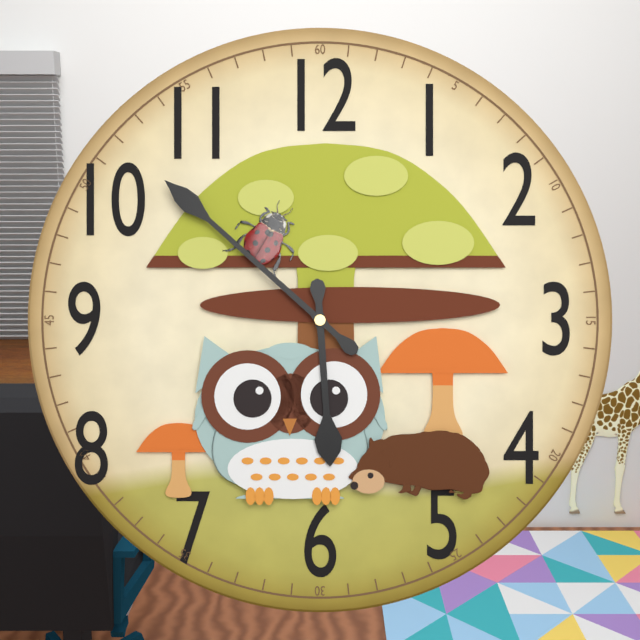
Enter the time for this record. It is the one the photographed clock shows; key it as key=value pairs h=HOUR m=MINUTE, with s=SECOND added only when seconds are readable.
h=5 m=52
